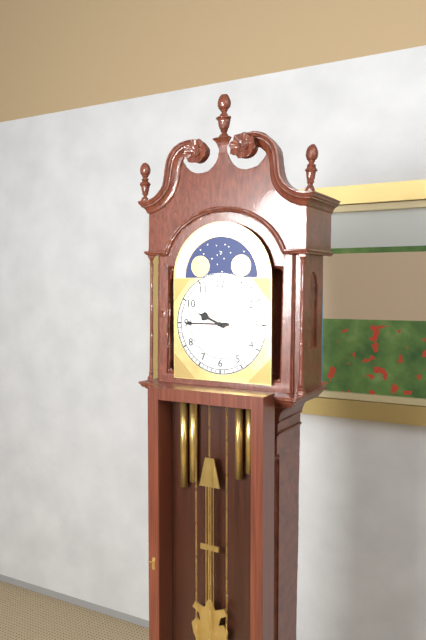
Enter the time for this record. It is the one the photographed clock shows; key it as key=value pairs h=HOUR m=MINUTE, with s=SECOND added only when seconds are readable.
h=9 m=45
